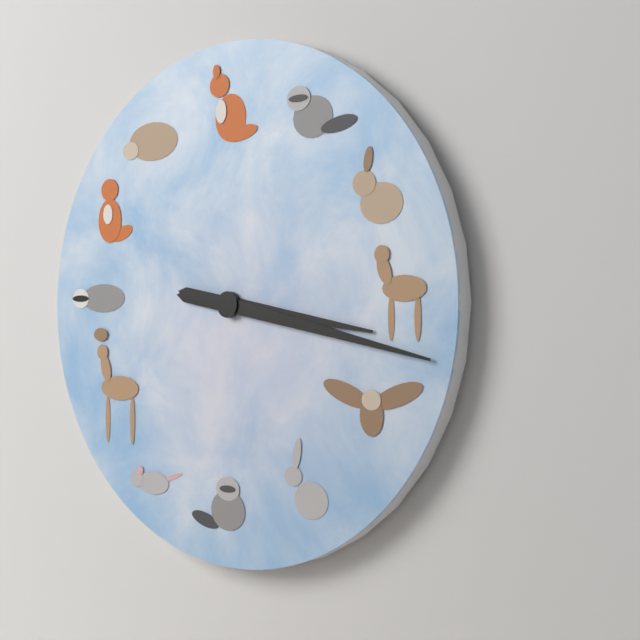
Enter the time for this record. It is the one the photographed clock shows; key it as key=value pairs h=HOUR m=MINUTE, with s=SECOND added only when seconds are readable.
h=3 m=17
